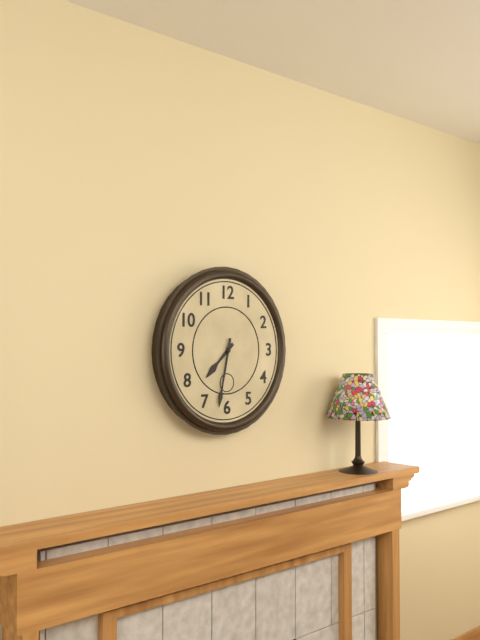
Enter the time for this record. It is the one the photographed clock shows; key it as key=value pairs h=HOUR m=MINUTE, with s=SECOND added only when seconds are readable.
h=7 m=32
